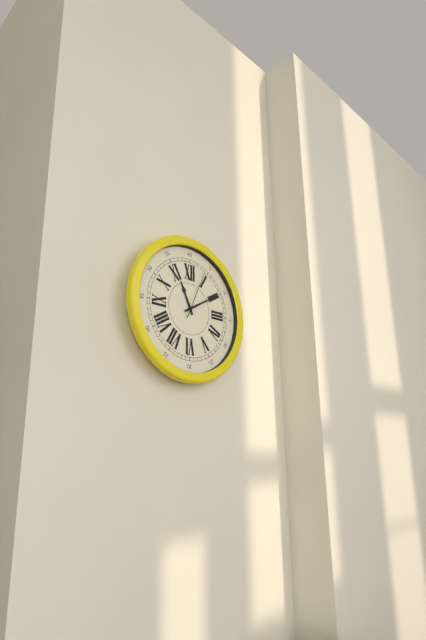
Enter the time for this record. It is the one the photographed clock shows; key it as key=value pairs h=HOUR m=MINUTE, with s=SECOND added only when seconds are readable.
h=11 m=10
